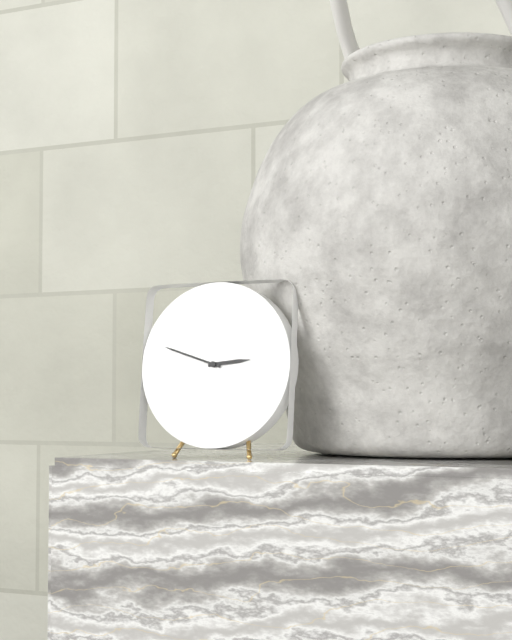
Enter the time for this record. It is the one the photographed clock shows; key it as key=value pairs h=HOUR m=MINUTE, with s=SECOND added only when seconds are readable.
h=2 m=48
